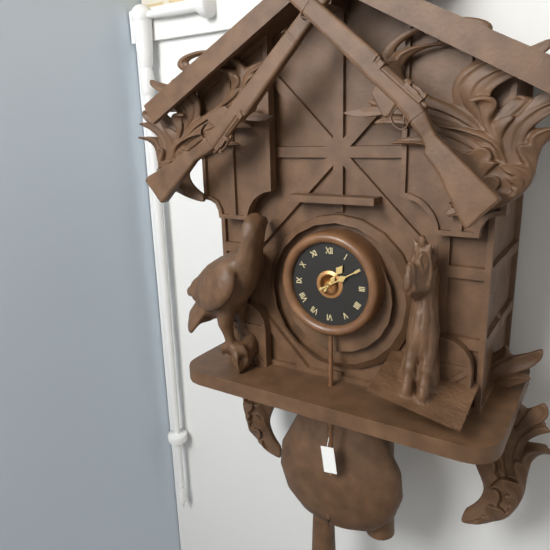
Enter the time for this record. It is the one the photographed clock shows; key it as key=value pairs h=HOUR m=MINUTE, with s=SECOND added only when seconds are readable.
h=1 m=10
